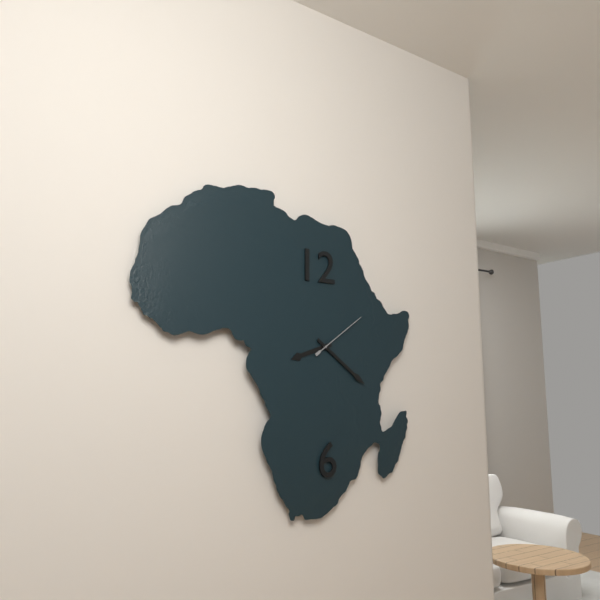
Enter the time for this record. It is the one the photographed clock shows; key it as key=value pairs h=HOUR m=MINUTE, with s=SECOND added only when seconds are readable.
h=8 m=21 s=9
